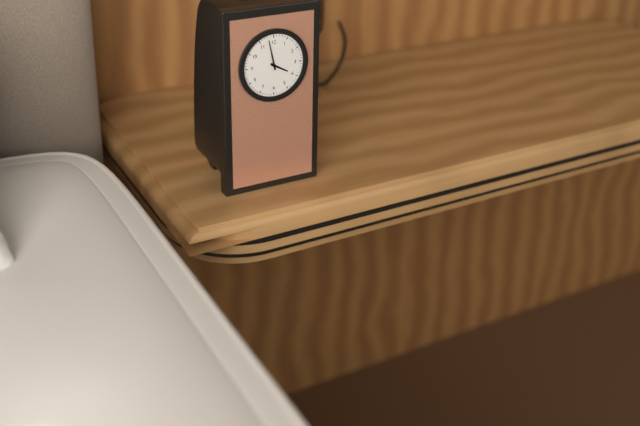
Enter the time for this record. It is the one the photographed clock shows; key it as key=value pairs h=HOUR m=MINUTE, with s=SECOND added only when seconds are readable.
h=3 m=58
